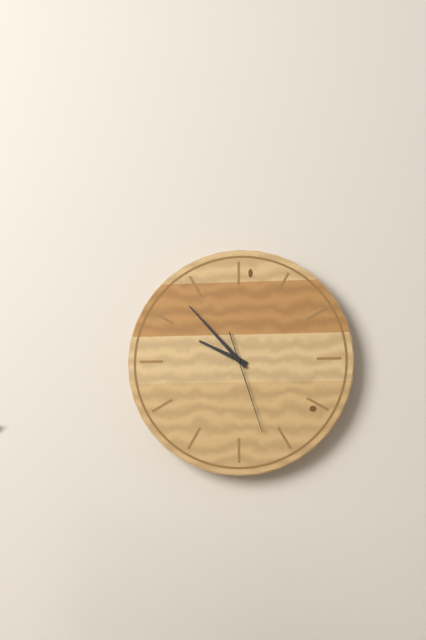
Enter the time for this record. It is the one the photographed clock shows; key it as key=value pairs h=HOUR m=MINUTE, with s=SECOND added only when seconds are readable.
h=9 m=53 s=27
